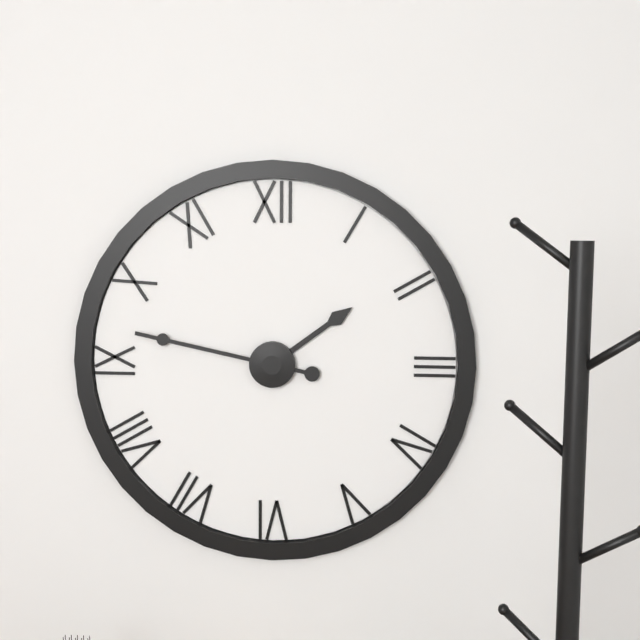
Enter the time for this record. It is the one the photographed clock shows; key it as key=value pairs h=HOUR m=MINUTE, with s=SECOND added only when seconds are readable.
h=1 m=47
